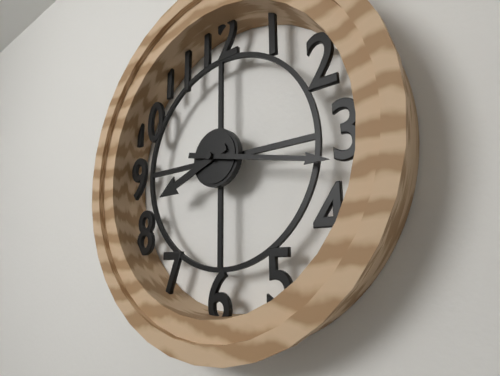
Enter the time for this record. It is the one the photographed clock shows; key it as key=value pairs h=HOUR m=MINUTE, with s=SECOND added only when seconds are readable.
h=8 m=17
